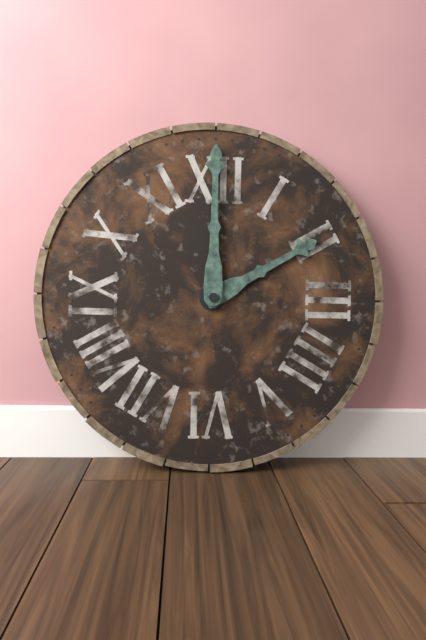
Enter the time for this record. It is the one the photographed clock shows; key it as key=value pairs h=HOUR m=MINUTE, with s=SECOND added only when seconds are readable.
h=2 m=0
